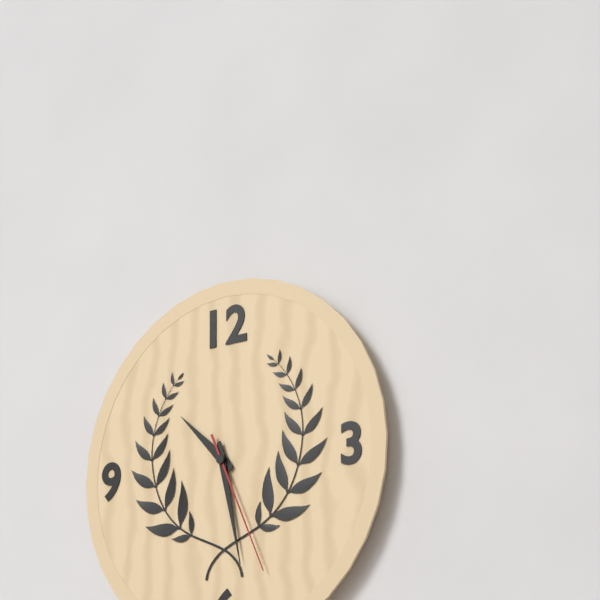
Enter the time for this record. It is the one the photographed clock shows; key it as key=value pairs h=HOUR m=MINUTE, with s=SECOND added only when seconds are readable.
h=10 m=28 s=26
